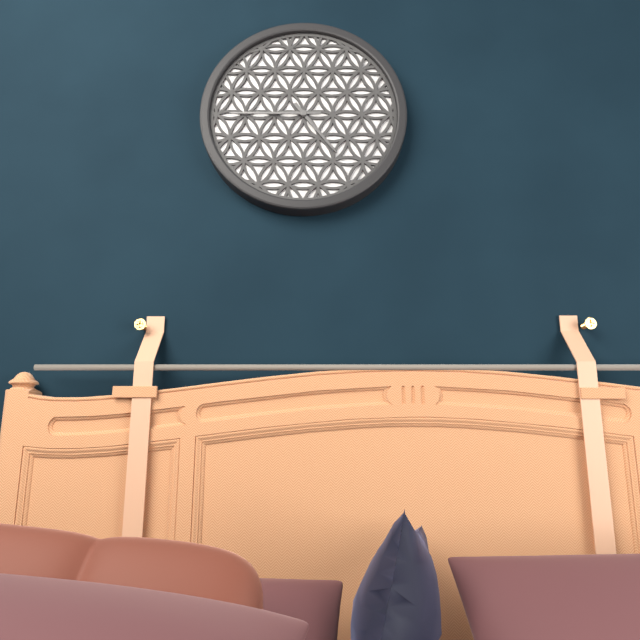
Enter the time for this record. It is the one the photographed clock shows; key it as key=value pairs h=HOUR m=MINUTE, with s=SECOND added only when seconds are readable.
h=4 m=45
